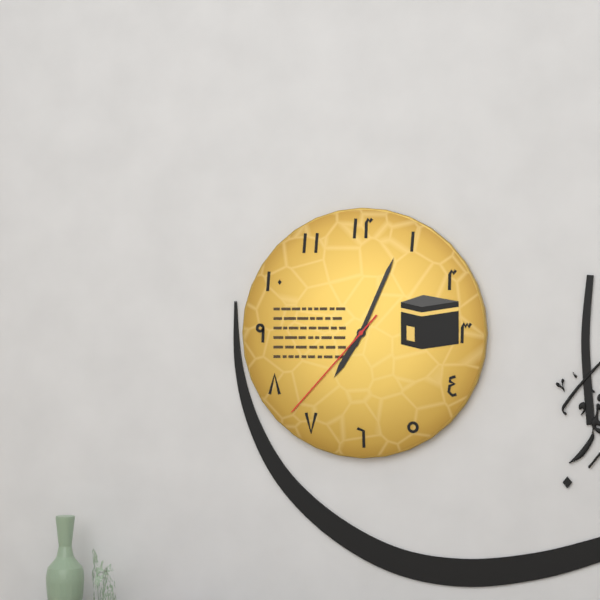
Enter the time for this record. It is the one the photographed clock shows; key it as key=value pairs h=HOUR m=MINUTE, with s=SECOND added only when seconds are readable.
h=7 m=4 s=37
